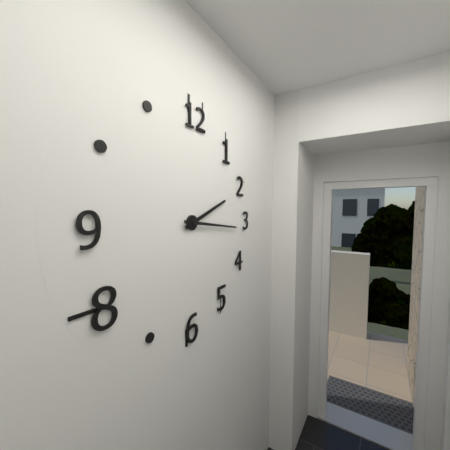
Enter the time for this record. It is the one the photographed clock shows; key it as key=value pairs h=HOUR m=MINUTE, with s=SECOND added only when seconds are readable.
h=2 m=16
